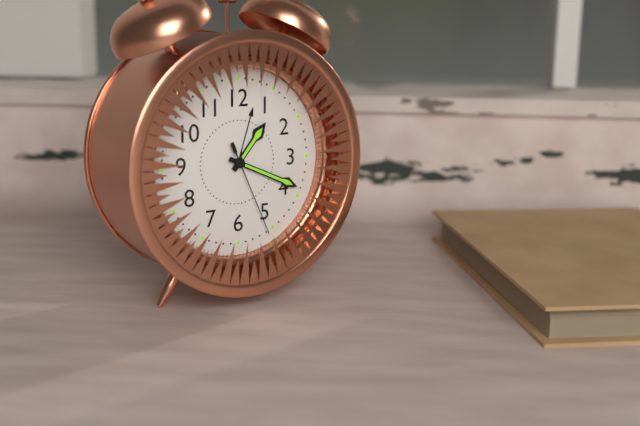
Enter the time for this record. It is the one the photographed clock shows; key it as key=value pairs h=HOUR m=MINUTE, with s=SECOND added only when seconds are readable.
h=1 m=19 s=26
